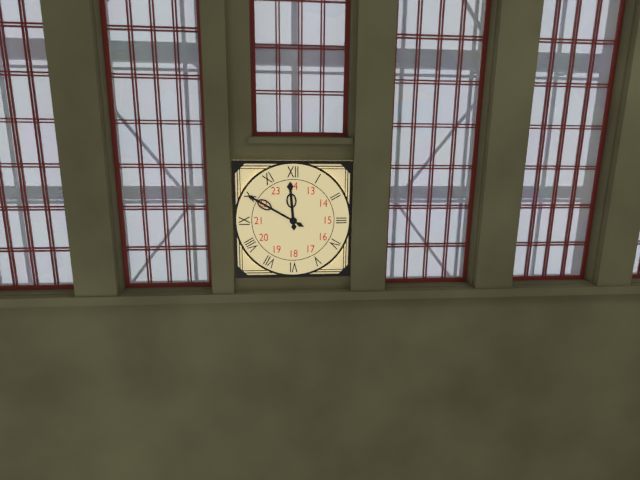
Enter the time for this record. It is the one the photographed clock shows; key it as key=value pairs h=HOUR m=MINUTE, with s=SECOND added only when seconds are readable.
h=11 m=50
